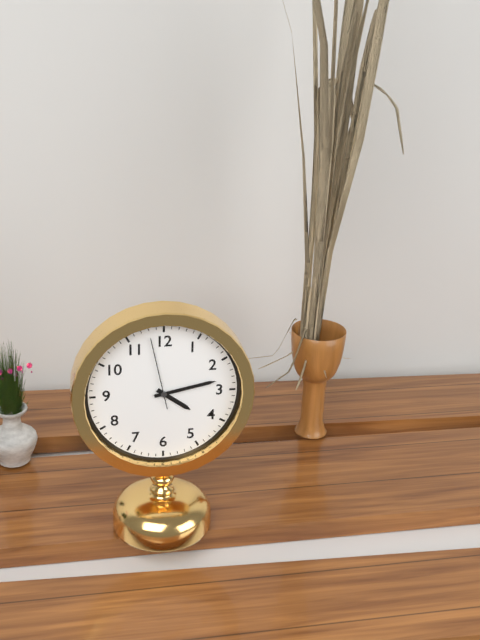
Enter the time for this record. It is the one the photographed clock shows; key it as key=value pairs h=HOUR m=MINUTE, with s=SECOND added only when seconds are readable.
h=4 m=13 s=58
